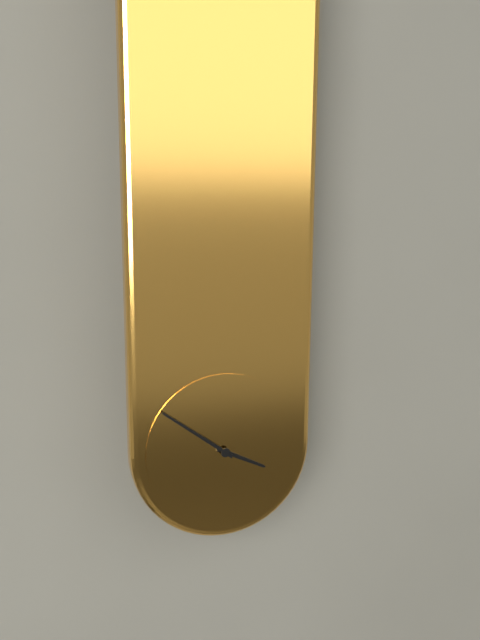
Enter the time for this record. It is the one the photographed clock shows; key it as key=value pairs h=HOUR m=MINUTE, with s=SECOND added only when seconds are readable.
h=3 m=51
